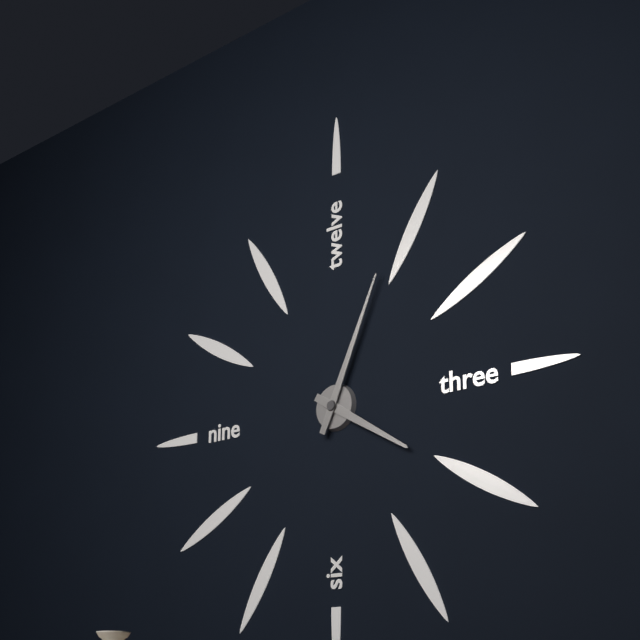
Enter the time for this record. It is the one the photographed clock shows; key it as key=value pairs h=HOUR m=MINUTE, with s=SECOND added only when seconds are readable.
h=4 m=4
